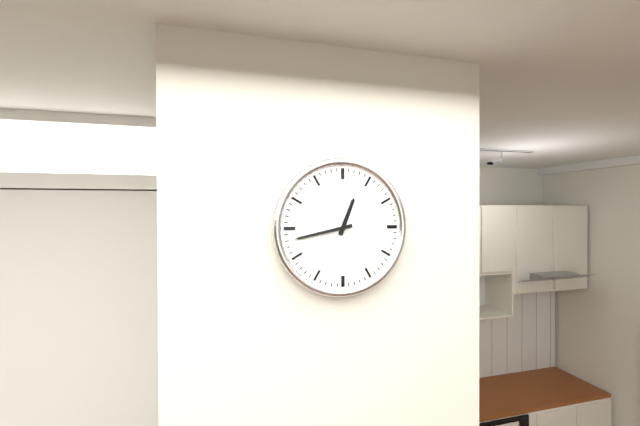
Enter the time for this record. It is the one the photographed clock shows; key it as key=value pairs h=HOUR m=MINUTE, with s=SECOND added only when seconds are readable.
h=12 m=43
